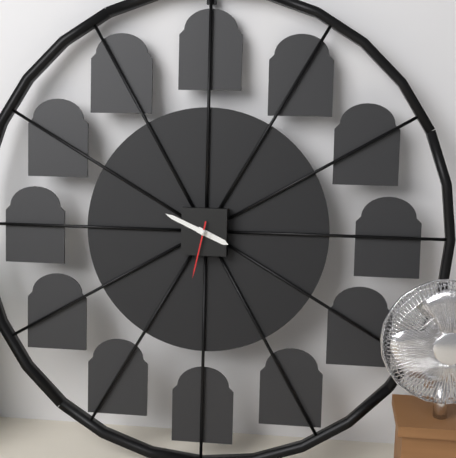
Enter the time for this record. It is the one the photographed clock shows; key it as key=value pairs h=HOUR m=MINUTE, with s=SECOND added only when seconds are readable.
h=3 m=49 s=32
